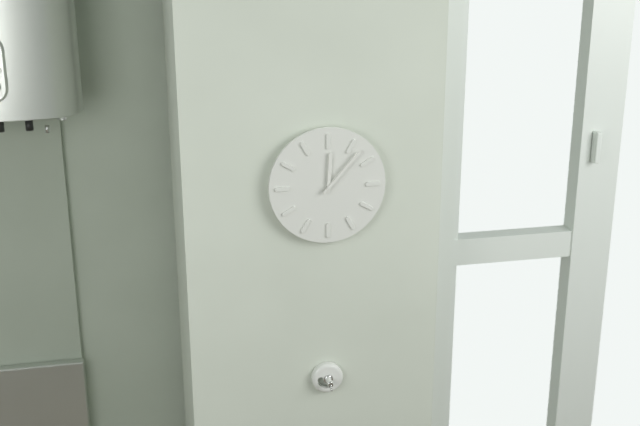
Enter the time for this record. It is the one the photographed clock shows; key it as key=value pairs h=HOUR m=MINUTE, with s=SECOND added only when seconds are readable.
h=12 m=7
